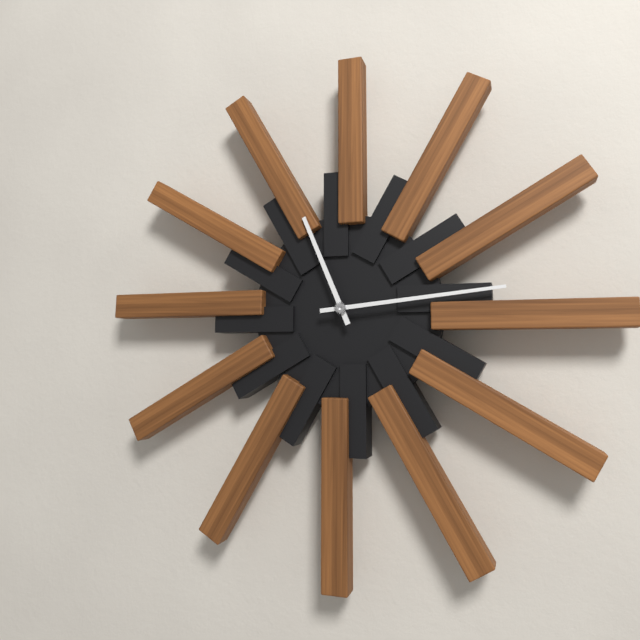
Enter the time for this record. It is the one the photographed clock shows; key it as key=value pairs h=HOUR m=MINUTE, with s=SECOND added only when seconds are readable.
h=11 m=14
